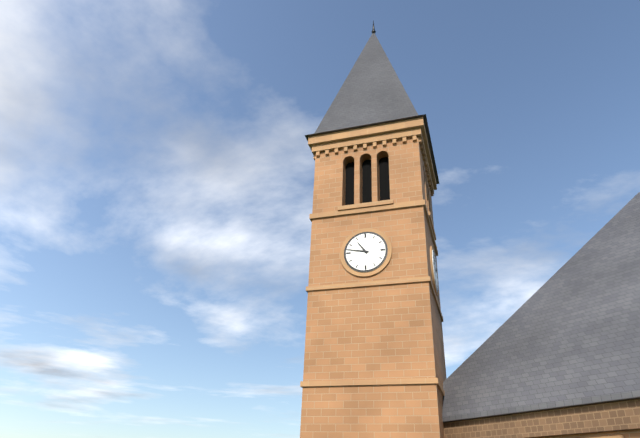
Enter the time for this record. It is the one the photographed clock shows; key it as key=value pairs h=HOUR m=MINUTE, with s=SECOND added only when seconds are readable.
h=10 m=47
